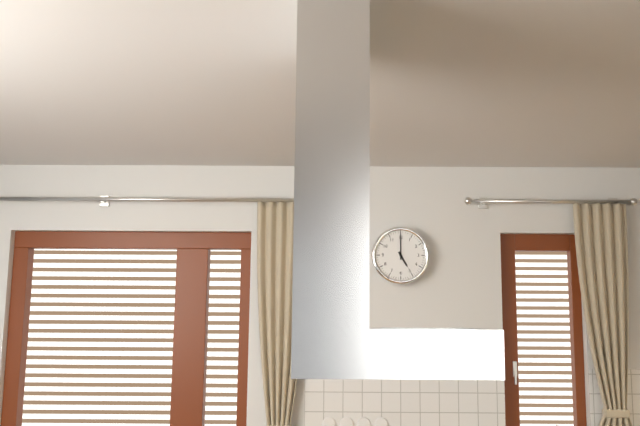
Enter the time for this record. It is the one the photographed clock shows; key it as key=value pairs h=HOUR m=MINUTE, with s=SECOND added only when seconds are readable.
h=5 m=0
